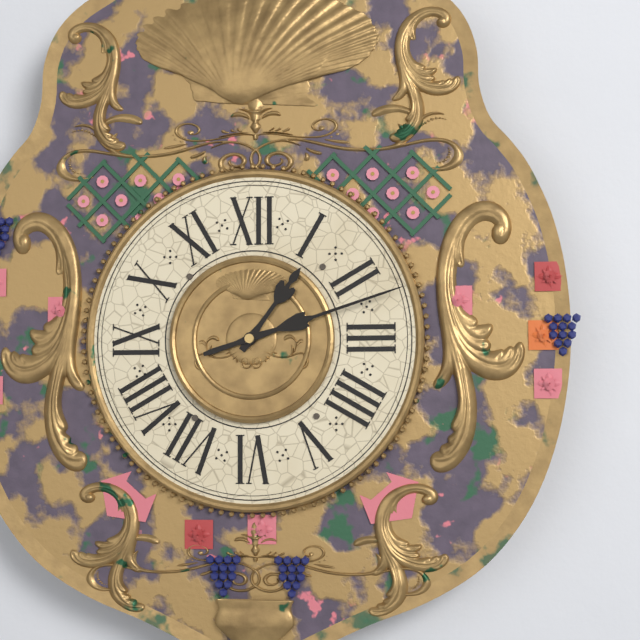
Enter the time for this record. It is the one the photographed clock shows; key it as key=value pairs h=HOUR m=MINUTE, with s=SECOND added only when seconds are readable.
h=1 m=12
